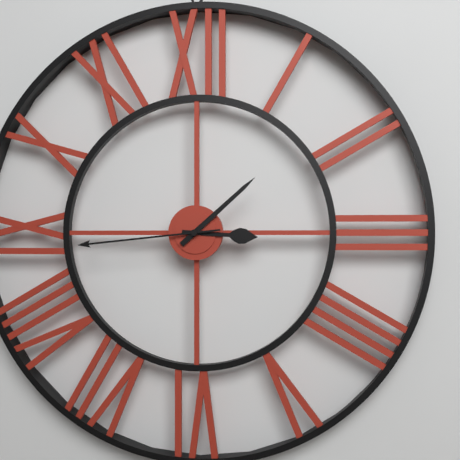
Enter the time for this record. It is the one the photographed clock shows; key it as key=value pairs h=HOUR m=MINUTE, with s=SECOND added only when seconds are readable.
h=3 m=8 s=44
